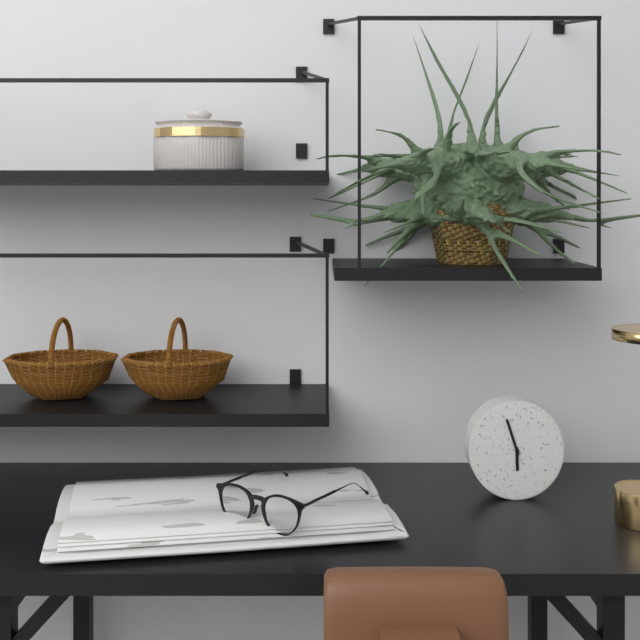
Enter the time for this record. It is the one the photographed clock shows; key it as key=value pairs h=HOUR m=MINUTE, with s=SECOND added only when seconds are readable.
h=5 m=57
